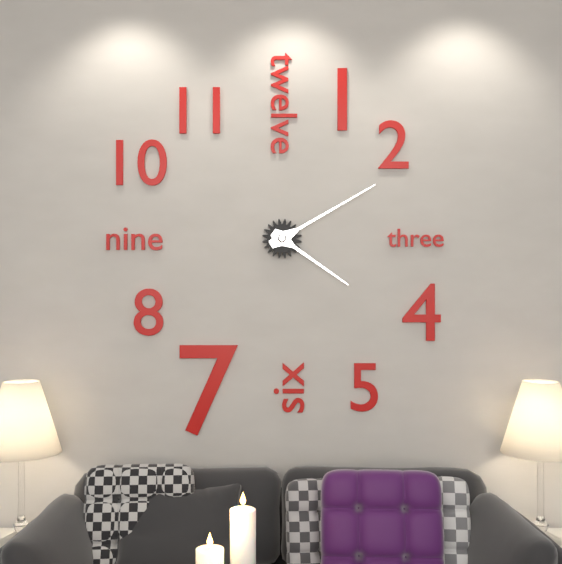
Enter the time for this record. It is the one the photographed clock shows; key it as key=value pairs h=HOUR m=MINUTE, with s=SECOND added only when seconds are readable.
h=4 m=10
